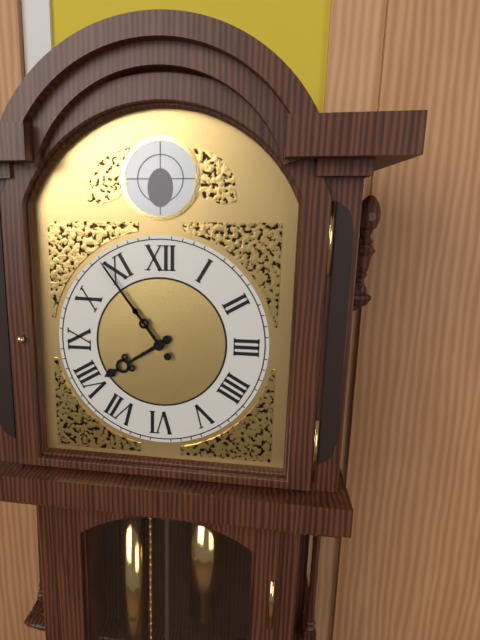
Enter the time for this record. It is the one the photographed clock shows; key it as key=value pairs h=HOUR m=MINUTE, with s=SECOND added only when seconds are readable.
h=7 m=54
